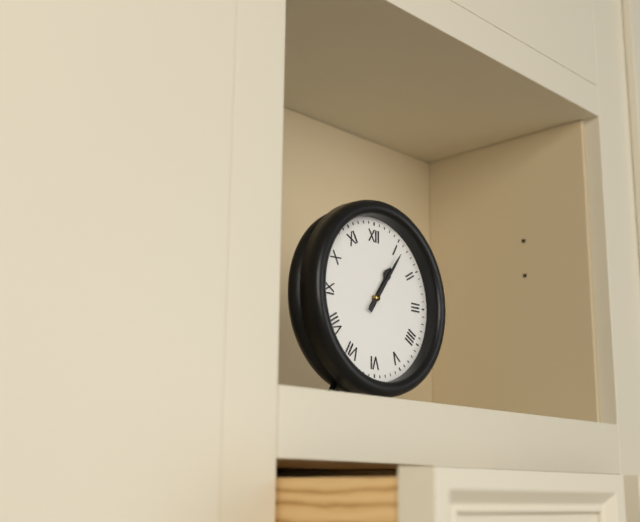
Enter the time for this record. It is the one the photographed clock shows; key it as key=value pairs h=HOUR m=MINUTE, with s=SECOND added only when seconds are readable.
h=1 m=6
